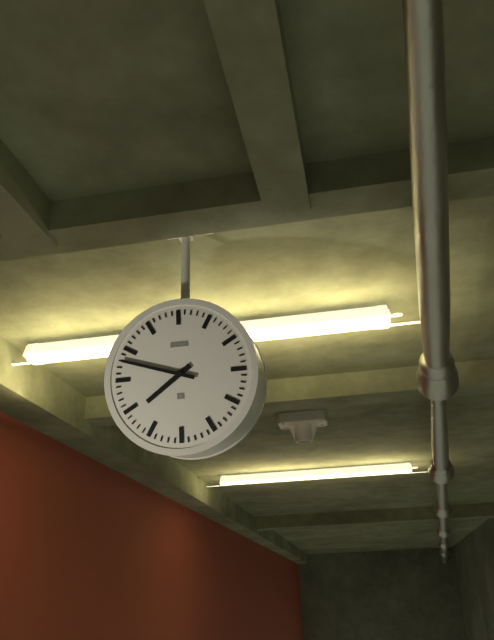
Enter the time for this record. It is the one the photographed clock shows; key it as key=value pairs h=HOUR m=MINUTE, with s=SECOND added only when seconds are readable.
h=7 m=48
